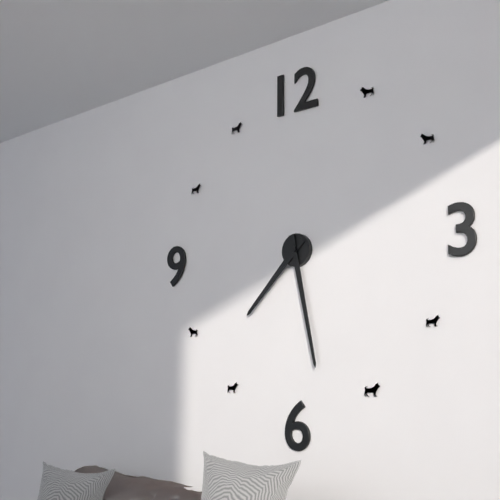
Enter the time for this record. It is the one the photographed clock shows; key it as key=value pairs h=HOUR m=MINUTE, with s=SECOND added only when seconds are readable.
h=7 m=28
